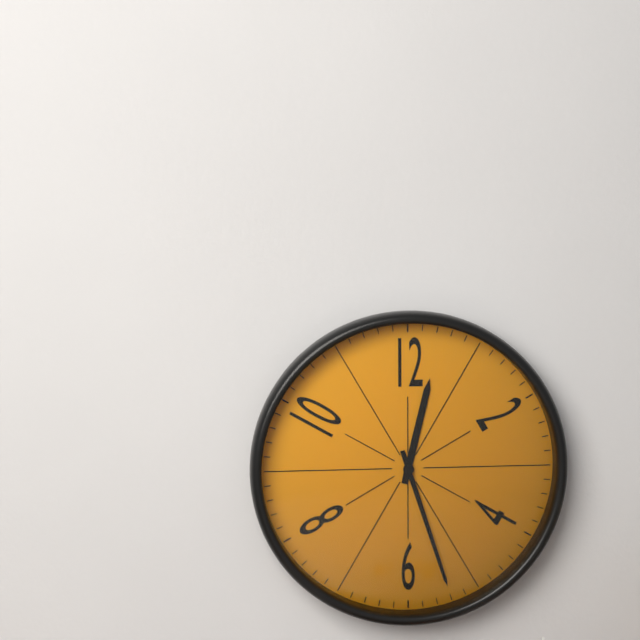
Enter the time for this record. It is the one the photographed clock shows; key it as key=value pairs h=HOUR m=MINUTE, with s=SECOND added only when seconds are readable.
h=12 m=27
